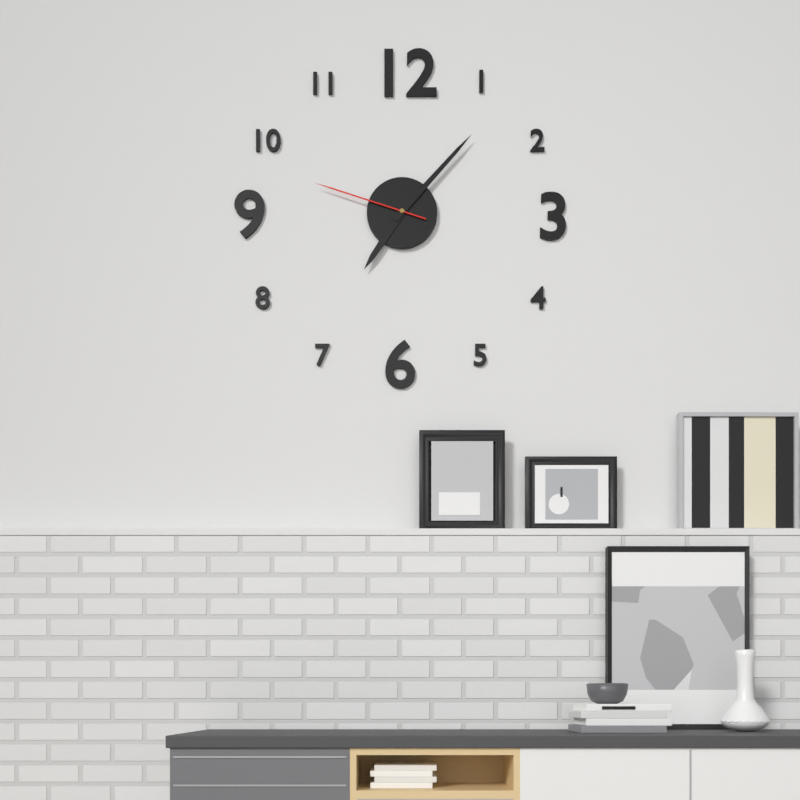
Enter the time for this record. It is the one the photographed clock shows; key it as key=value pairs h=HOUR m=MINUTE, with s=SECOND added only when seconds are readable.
h=7 m=7 s=48
